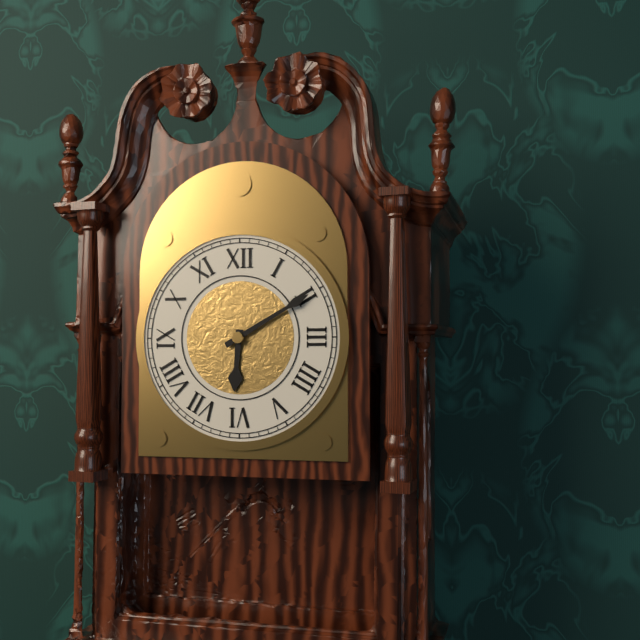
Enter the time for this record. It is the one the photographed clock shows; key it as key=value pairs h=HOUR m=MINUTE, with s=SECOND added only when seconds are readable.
h=6 m=10
